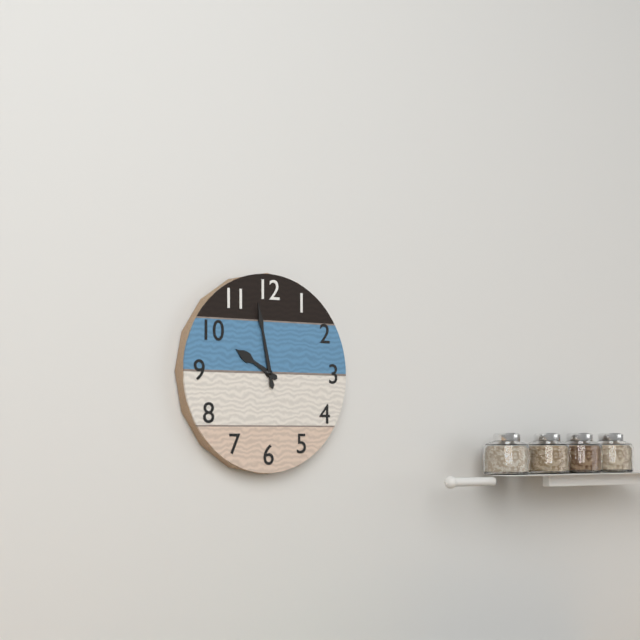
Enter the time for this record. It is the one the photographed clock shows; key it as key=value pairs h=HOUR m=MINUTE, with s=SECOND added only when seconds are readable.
h=9 m=58
